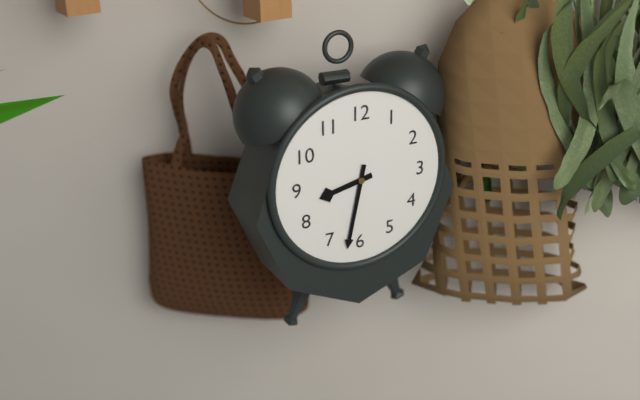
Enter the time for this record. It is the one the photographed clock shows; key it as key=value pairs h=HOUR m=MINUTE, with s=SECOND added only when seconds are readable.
h=8 m=32
